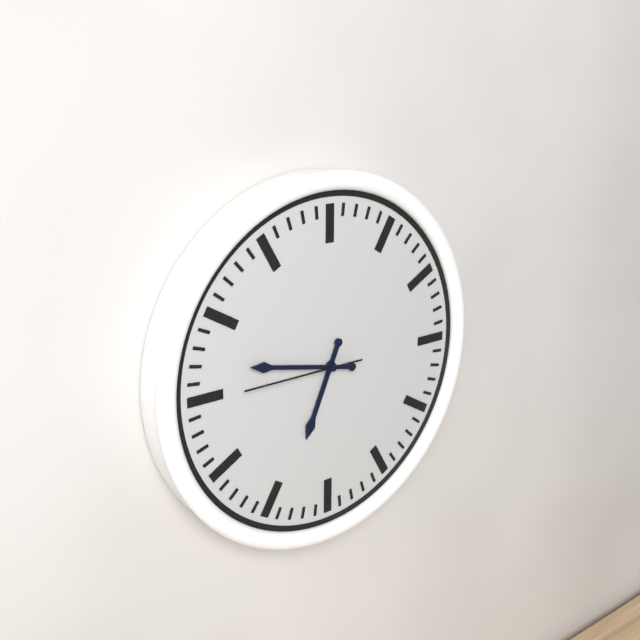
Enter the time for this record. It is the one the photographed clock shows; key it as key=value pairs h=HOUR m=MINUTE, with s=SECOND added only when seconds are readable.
h=6 m=47 s=45
